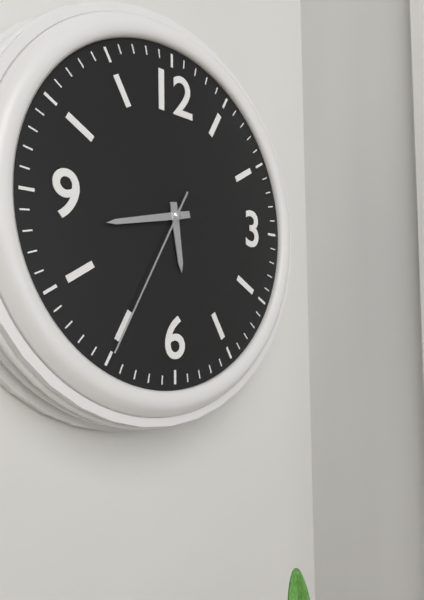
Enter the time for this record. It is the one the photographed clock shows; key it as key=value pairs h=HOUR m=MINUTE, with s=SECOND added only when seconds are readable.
h=5 m=43 s=35
